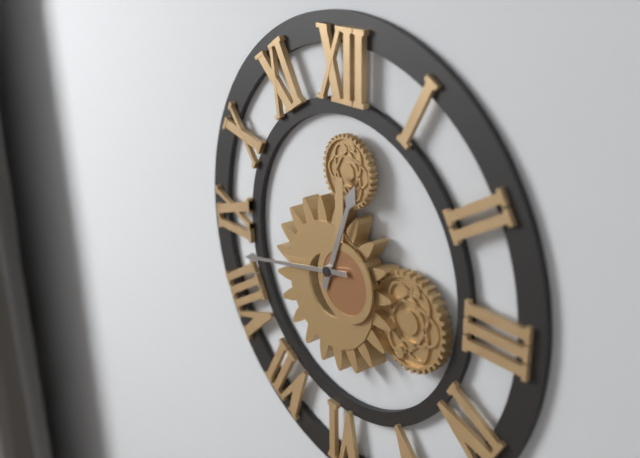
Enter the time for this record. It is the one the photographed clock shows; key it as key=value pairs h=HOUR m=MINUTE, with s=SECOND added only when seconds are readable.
h=12 m=43
